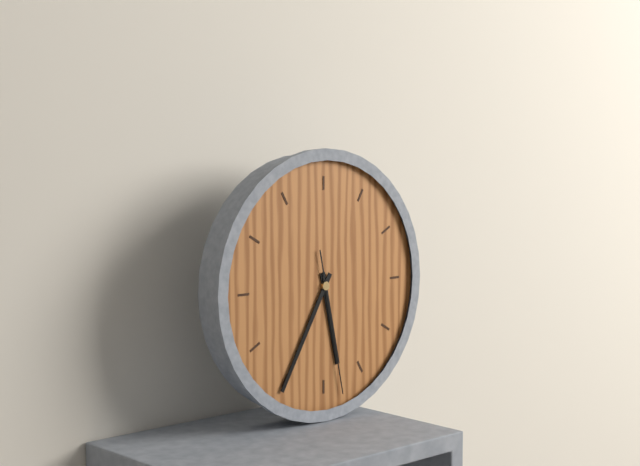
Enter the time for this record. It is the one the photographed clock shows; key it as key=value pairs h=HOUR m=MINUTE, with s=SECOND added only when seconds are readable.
h=5 m=35 s=28
